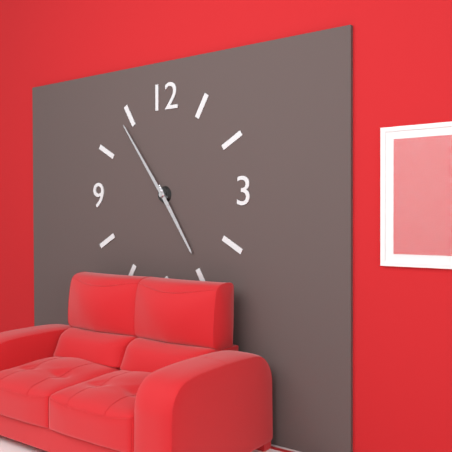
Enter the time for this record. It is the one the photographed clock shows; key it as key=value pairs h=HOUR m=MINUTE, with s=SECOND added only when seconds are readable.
h=4 m=54
